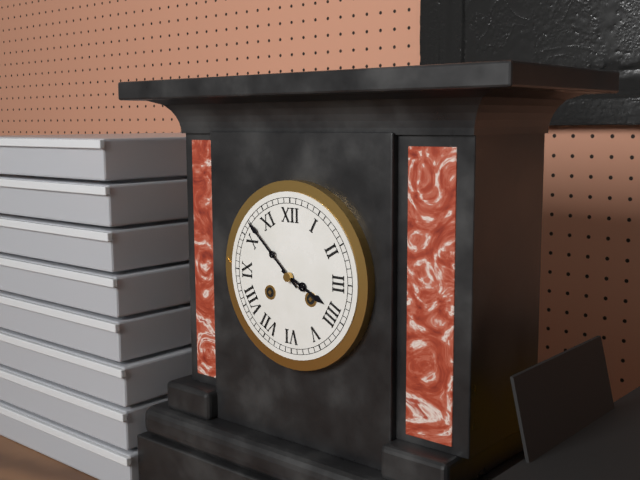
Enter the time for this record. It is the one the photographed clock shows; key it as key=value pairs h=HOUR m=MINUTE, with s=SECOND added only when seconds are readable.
h=3 m=52
